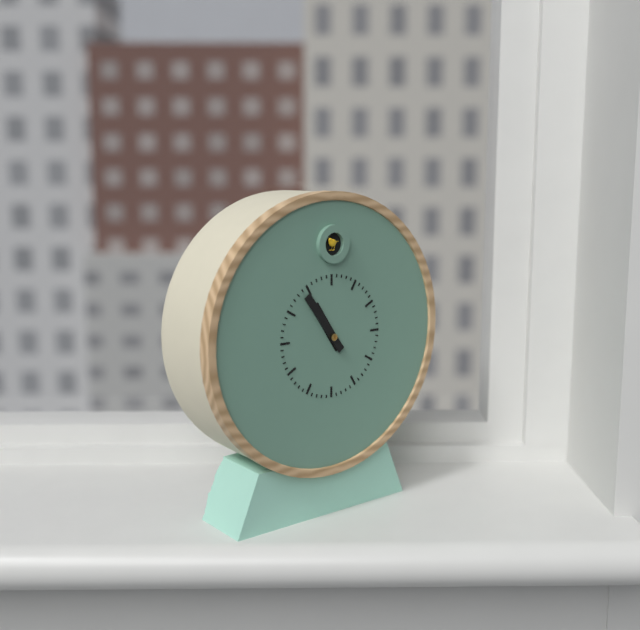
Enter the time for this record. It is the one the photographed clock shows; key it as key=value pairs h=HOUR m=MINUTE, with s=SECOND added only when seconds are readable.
h=10 m=54
